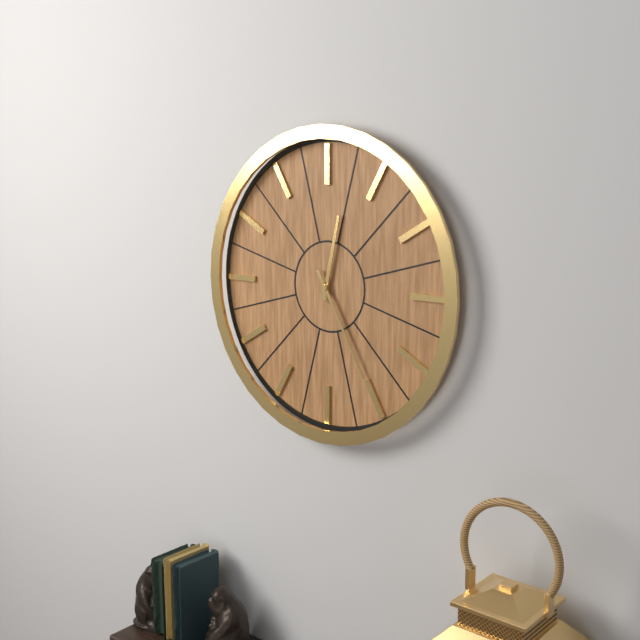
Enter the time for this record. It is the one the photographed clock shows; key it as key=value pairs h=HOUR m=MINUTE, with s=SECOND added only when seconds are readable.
h=12 m=25
